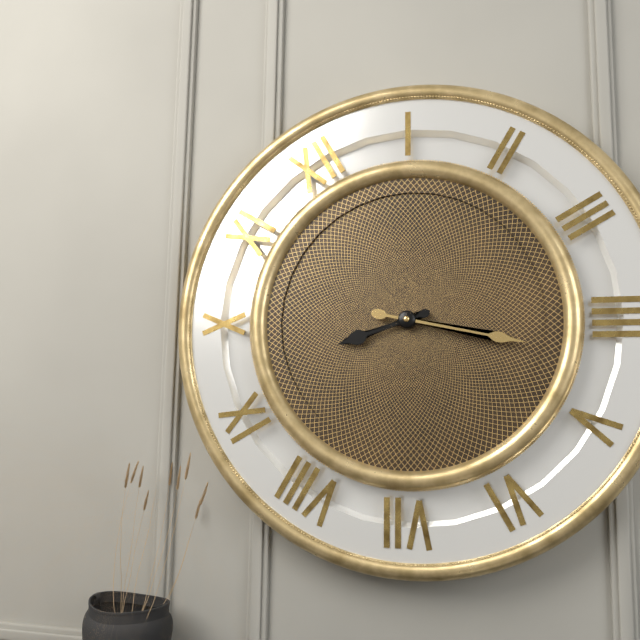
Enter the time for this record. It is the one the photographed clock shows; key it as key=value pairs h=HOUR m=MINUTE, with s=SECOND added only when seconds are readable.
h=9 m=22
